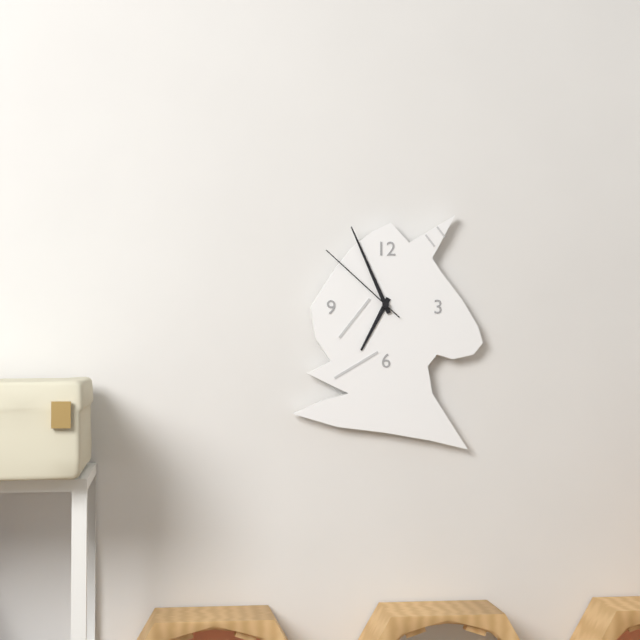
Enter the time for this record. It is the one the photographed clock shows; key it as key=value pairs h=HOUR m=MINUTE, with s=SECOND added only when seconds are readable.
h=6 m=56 s=52
